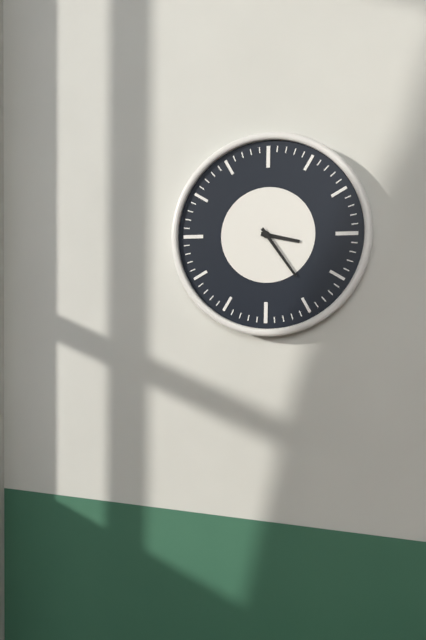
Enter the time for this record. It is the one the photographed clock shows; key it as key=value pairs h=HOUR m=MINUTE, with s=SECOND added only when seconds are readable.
h=3 m=24
